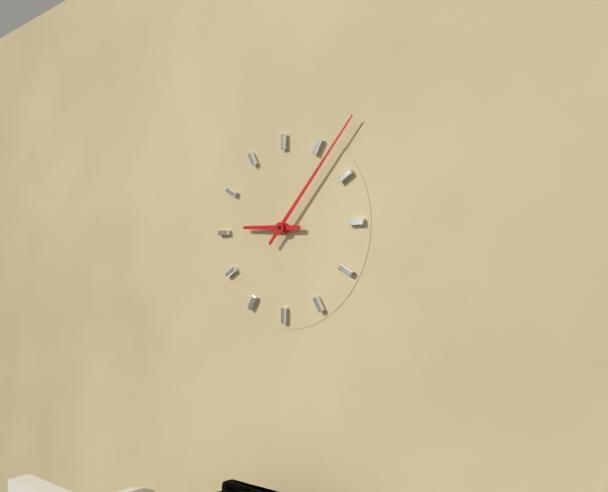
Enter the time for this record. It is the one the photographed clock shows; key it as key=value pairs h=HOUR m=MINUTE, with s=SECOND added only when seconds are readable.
h=9 m=7
